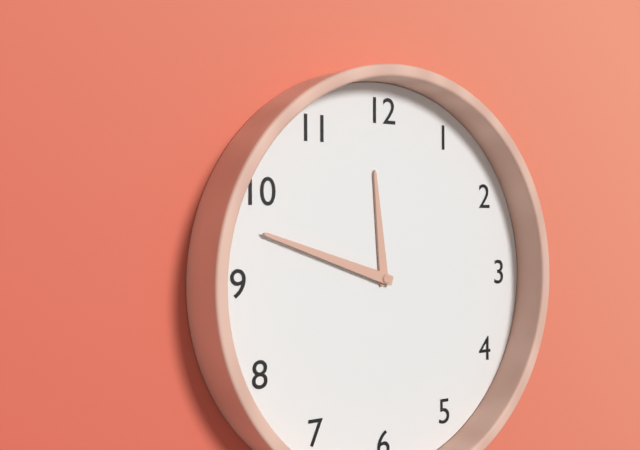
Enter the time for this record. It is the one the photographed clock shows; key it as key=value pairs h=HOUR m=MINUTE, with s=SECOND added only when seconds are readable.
h=11 m=48
